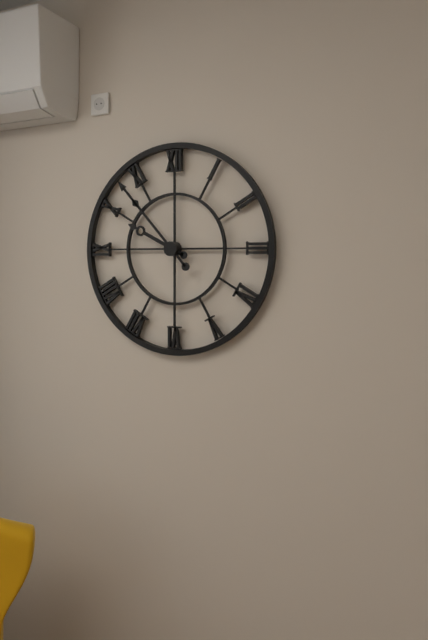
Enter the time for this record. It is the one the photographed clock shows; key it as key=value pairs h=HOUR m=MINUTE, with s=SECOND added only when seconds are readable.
h=9 m=53
